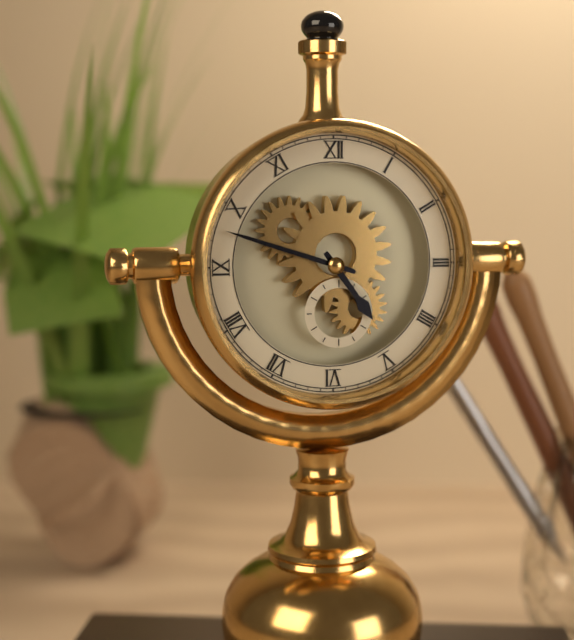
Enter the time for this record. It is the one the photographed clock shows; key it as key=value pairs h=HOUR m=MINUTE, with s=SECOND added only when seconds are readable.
h=4 m=48
